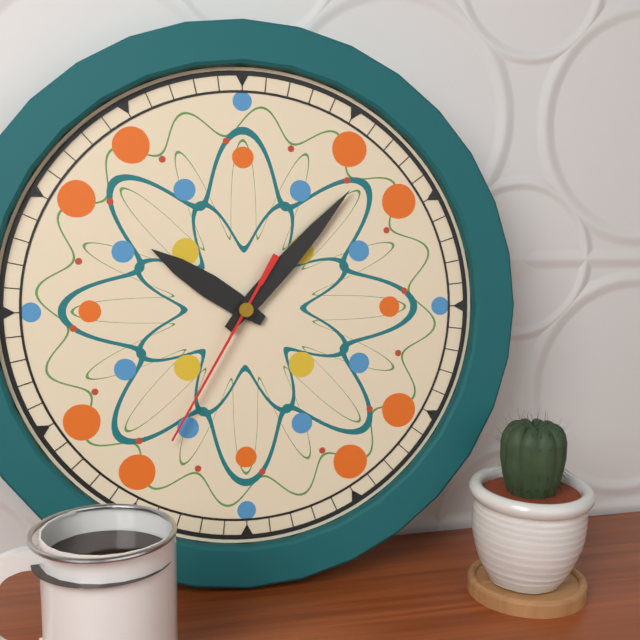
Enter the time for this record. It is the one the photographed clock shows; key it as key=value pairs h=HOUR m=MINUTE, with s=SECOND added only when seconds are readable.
h=10 m=7 s=35
